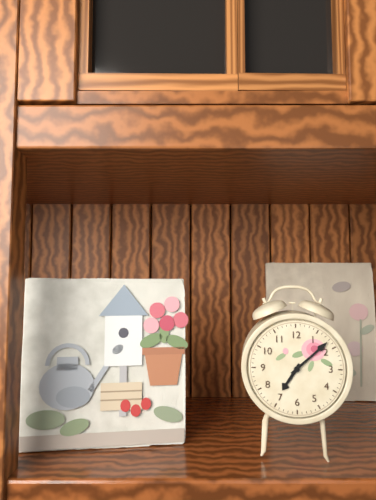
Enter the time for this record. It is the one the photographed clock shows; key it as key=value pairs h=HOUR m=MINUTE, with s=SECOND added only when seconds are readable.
h=7 m=8
